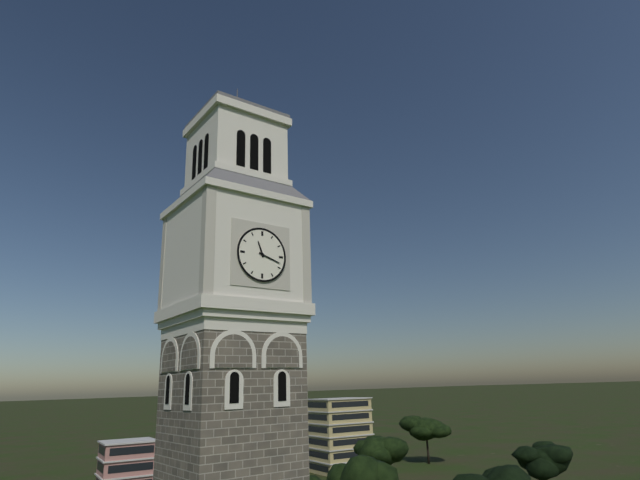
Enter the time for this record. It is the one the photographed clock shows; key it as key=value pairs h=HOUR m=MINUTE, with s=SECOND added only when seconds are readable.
h=11 m=18
